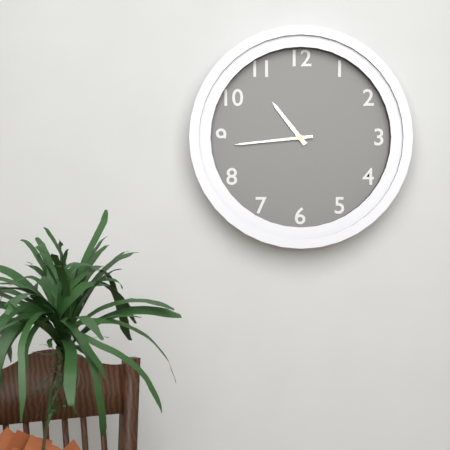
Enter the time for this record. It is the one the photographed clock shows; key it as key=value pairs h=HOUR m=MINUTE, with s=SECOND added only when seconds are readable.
h=10 m=44
